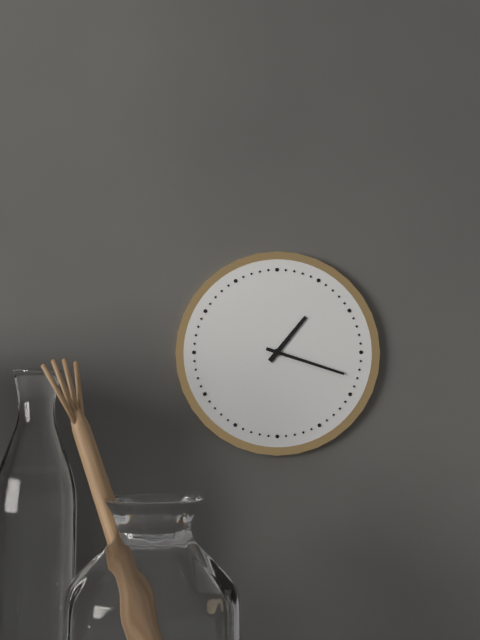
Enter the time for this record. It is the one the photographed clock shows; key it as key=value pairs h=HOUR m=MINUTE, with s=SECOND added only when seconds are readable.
h=1 m=18
